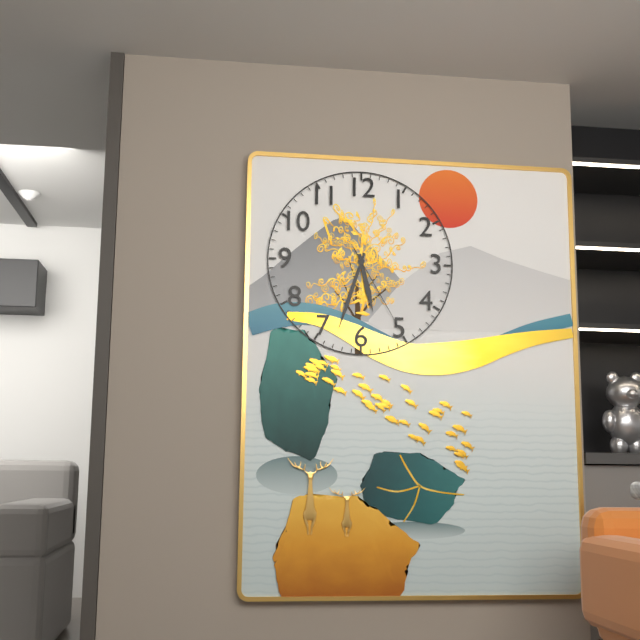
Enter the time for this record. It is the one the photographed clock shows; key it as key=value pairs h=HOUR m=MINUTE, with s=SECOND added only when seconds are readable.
h=5 m=33 s=25
